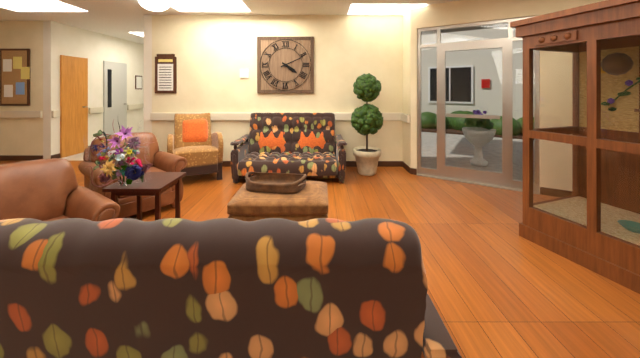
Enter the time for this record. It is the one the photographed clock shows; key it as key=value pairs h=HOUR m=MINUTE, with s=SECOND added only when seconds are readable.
h=4 m=11
